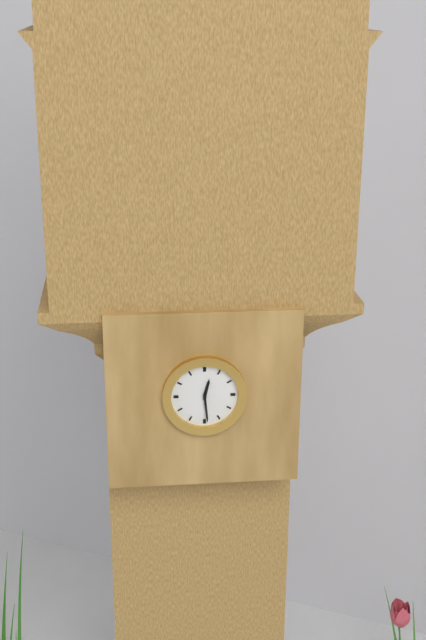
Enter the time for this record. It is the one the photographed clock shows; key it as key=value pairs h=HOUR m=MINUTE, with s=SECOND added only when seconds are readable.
h=12 m=29
